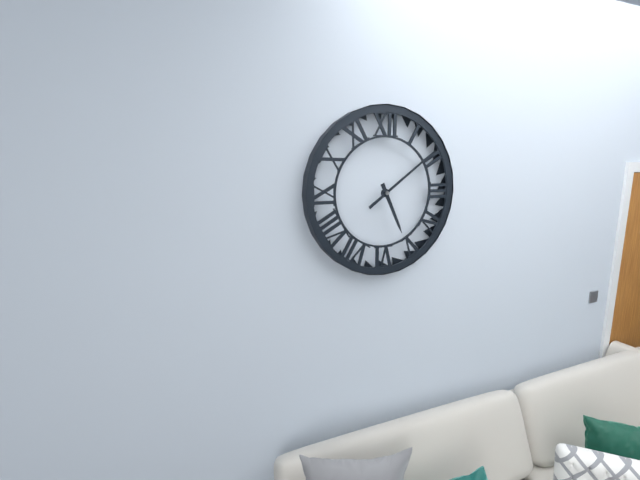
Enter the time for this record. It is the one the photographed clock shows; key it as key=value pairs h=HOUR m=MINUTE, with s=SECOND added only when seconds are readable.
h=5 m=9
